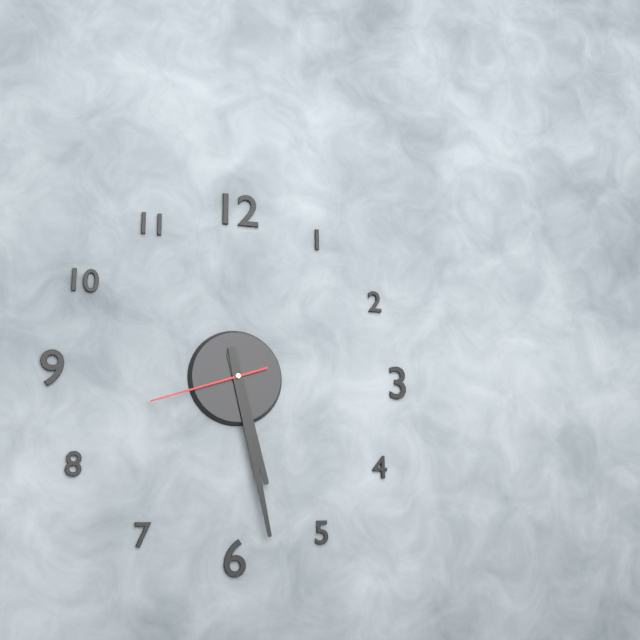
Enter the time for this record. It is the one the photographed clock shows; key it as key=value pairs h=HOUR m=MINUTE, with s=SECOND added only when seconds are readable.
h=5 m=28 s=42
